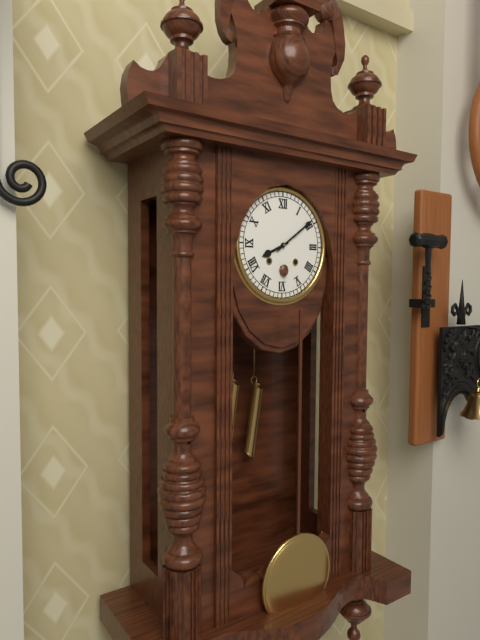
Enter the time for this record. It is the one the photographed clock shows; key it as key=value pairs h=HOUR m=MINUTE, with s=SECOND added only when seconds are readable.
h=8 m=9
